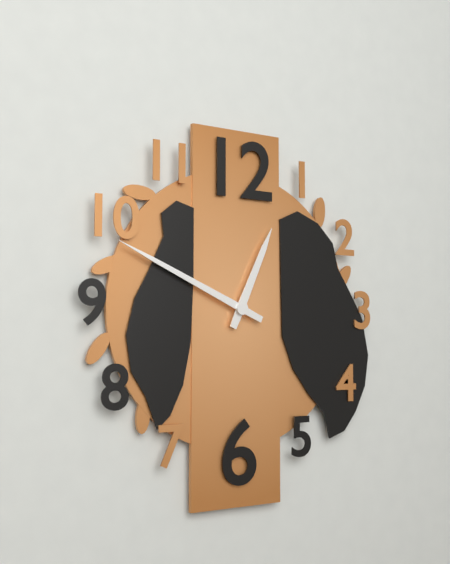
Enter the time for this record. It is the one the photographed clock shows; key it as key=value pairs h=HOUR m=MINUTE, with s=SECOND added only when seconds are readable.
h=12 m=49
